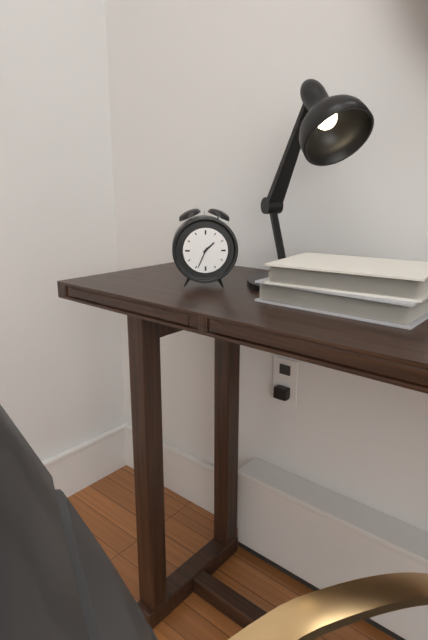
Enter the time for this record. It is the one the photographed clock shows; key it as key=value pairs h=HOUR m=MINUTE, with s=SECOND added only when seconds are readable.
h=1 m=34
